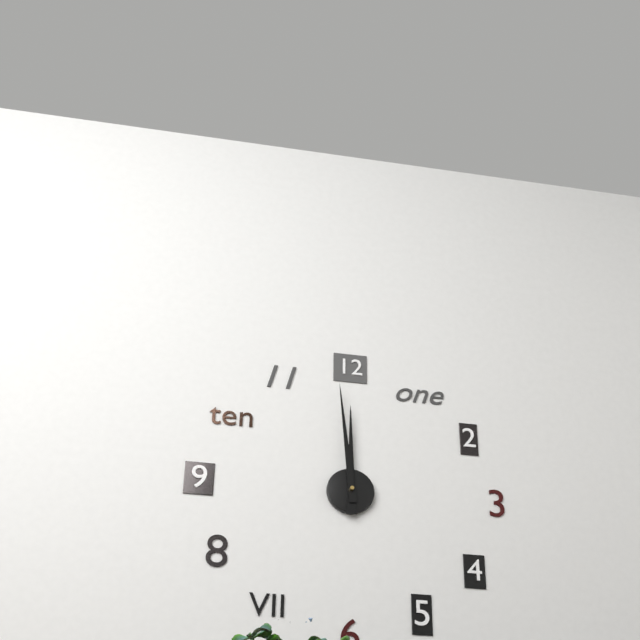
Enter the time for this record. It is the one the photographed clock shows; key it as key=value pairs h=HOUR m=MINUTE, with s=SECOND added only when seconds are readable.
h=11 m=59
